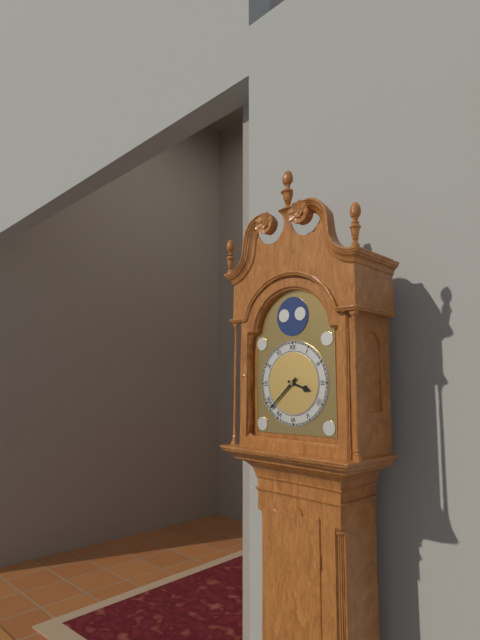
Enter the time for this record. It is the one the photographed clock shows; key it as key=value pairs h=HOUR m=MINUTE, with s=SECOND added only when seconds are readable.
h=3 m=38
